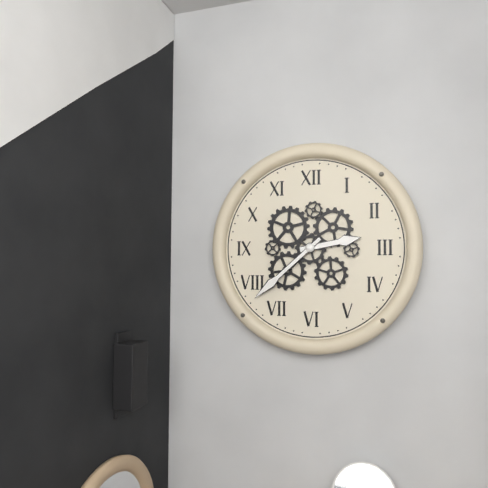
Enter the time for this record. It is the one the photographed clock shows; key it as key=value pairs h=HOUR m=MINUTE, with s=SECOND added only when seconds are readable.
h=2 m=38
